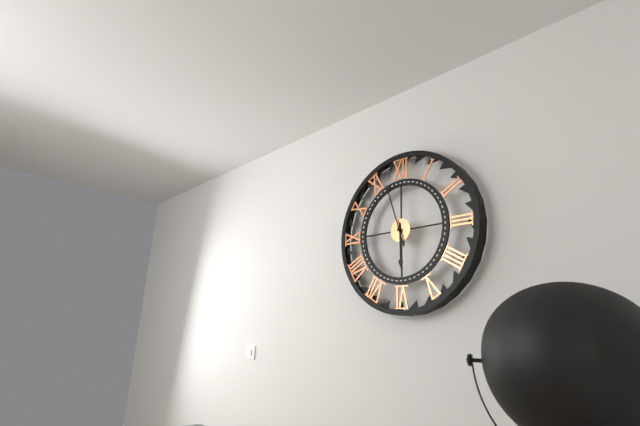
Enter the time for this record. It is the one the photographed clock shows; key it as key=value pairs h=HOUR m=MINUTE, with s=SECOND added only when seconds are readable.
h=5 m=57
